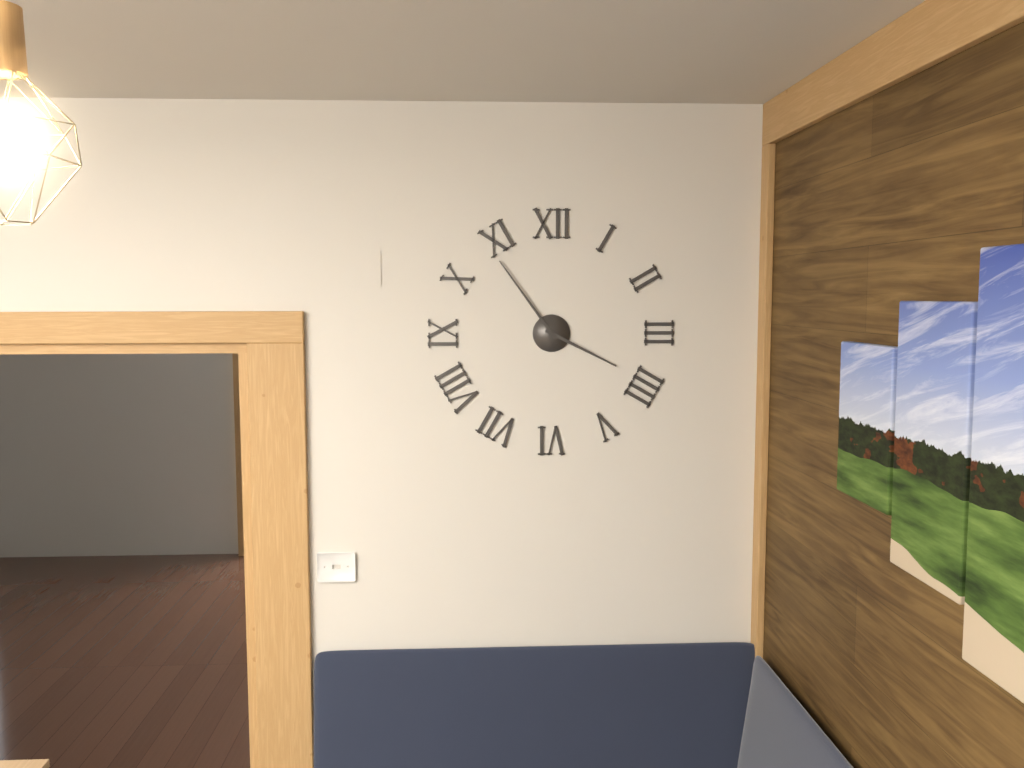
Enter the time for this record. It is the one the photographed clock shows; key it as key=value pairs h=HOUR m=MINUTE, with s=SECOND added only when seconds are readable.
h=3 m=54
